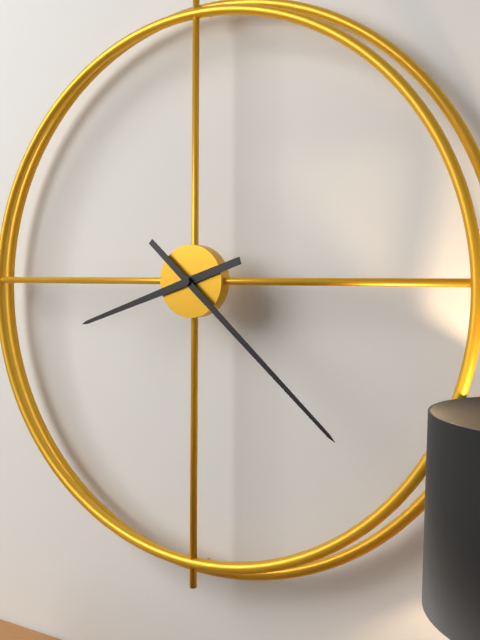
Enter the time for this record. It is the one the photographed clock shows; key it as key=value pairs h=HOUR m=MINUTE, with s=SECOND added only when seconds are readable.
h=8 m=22
